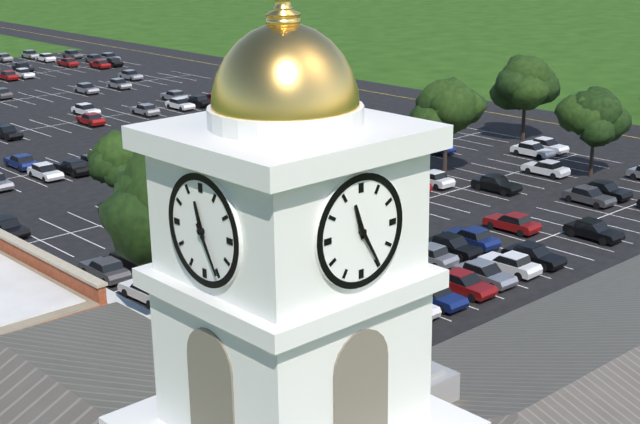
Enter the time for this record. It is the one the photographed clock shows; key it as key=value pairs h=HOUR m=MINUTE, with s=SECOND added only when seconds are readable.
h=11 m=25
